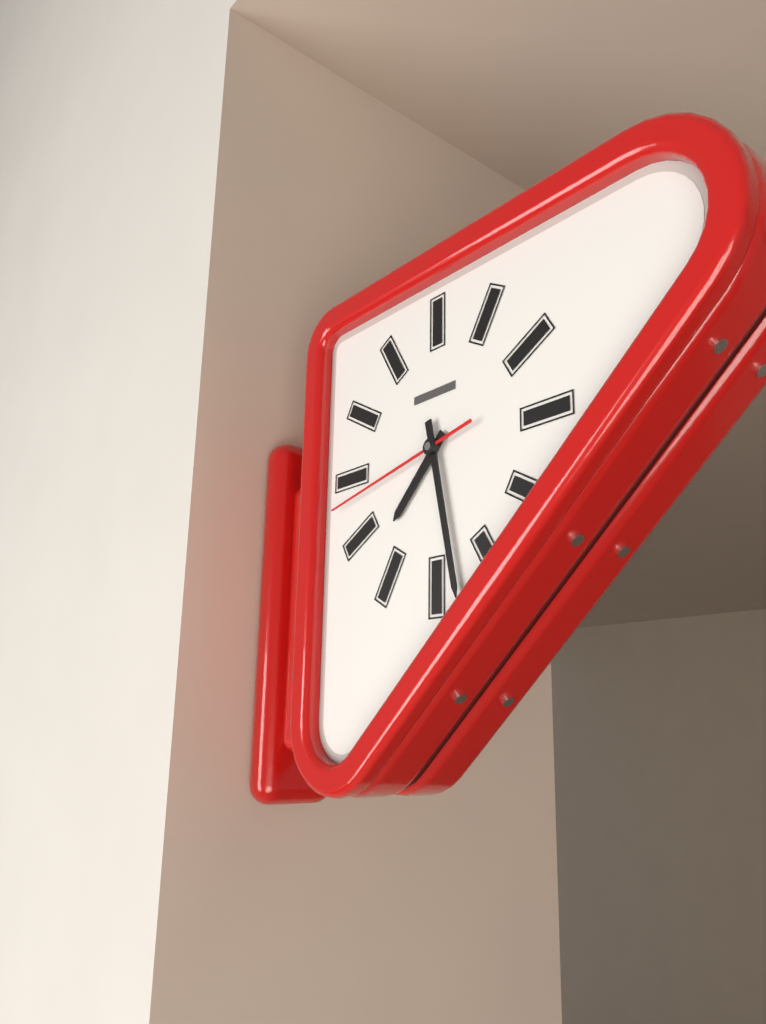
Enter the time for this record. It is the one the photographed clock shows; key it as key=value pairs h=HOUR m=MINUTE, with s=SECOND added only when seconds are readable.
h=7 m=28 s=43
